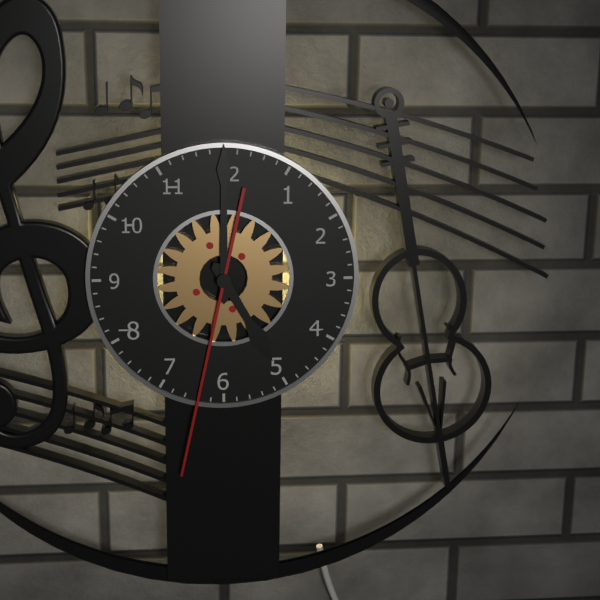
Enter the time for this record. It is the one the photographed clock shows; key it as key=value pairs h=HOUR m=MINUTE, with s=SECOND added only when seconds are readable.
h=5 m=0 s=32
